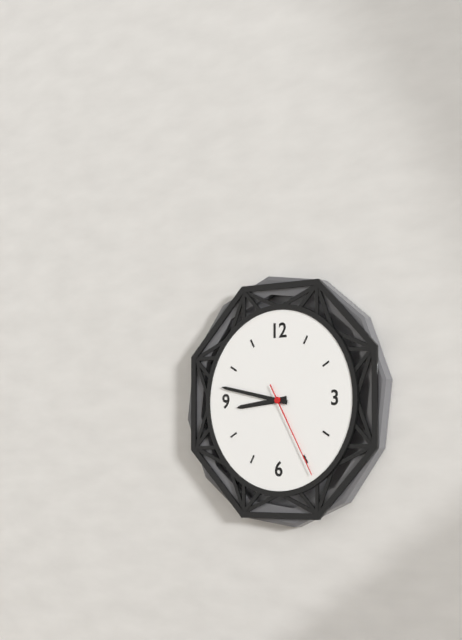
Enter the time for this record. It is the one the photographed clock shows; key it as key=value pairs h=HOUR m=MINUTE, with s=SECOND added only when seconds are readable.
h=8 m=47 s=25
